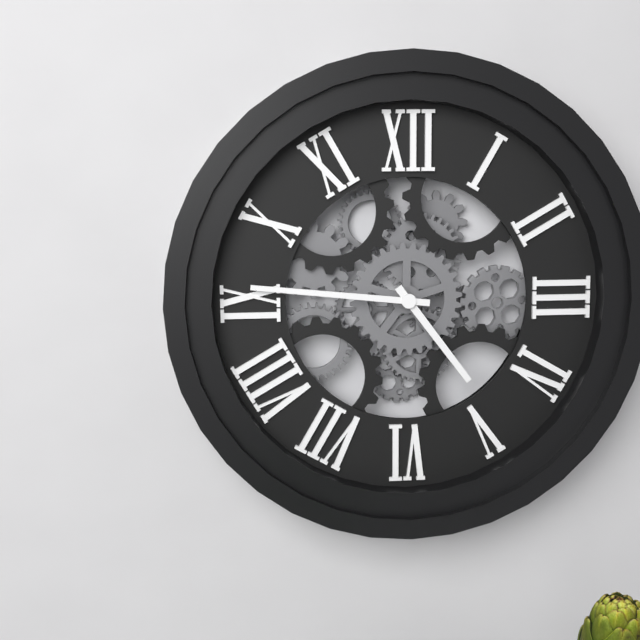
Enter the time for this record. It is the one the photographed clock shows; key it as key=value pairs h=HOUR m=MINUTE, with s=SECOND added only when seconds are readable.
h=4 m=46
